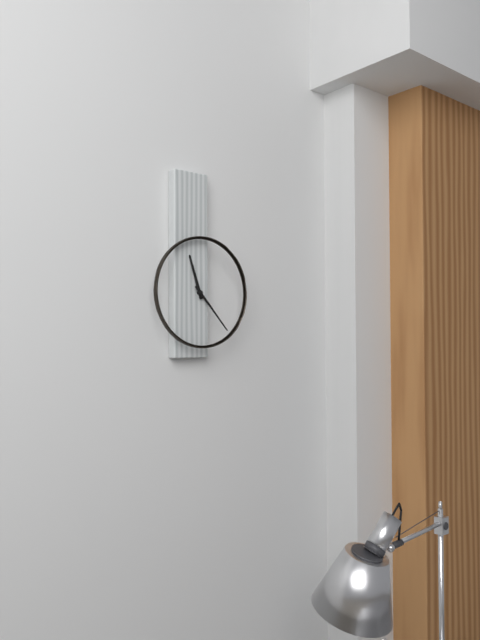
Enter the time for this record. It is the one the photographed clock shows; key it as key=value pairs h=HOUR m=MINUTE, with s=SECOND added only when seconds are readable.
h=11 m=23
